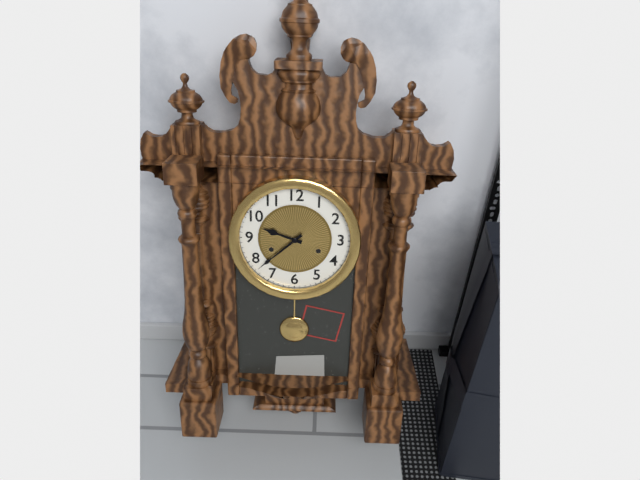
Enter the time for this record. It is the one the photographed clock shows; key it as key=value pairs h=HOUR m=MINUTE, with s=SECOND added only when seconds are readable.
h=9 m=38
